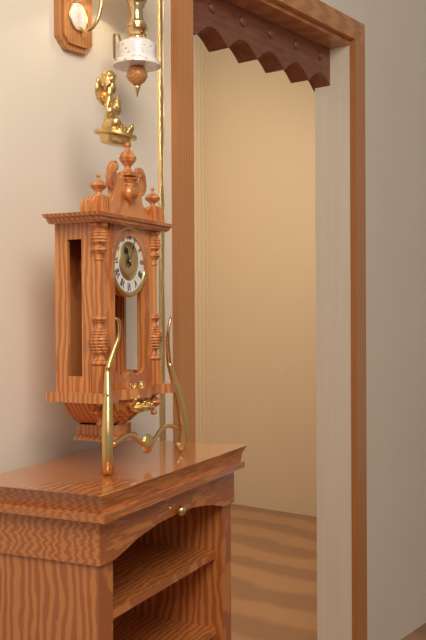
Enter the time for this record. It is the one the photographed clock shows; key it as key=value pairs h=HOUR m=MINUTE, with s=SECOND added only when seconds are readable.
h=11 m=4
